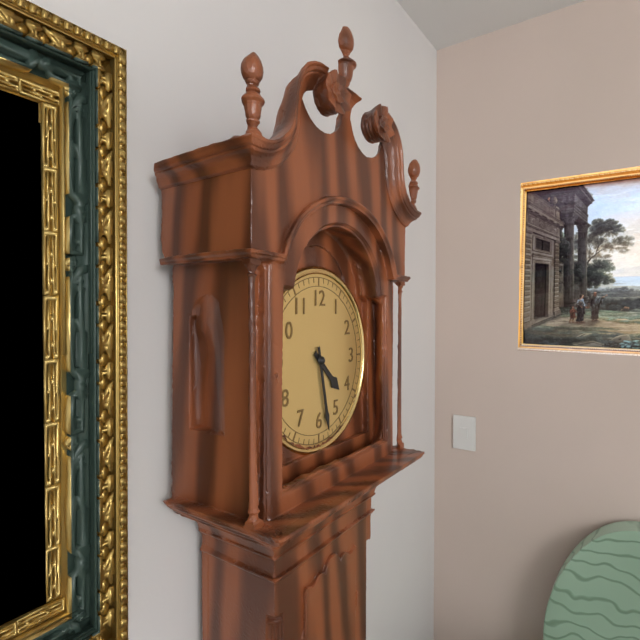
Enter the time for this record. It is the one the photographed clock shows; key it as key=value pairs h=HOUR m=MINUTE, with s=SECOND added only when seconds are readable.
h=4 m=28
